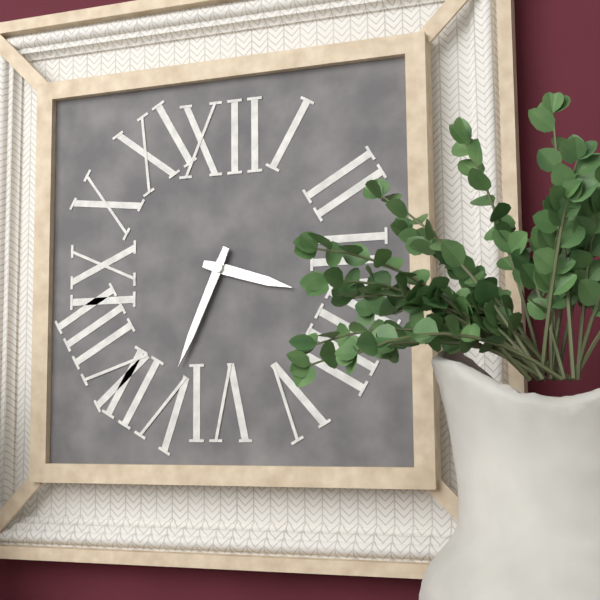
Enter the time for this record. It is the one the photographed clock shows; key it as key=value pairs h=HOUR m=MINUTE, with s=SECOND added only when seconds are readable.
h=3 m=34
